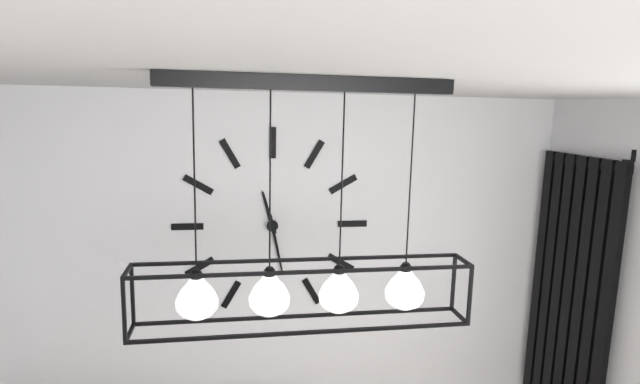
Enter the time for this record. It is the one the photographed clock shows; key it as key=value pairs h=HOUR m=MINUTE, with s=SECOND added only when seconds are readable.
h=11 m=28
